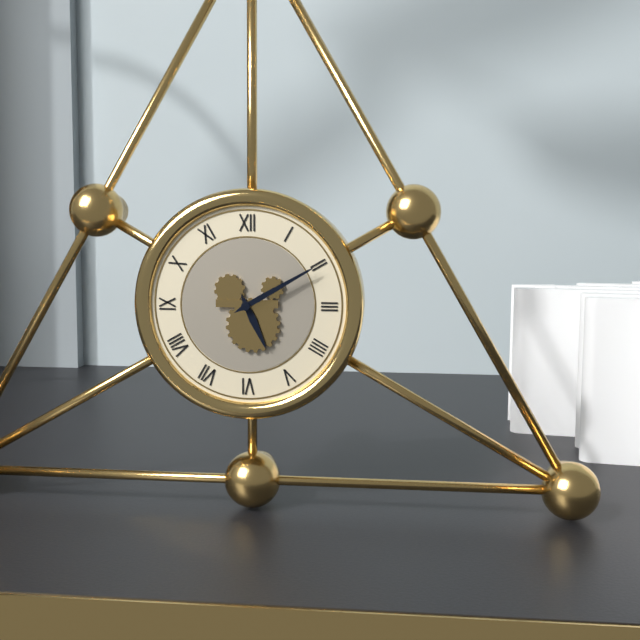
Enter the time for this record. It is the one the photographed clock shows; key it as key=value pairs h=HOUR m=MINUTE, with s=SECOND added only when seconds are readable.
h=5 m=10
